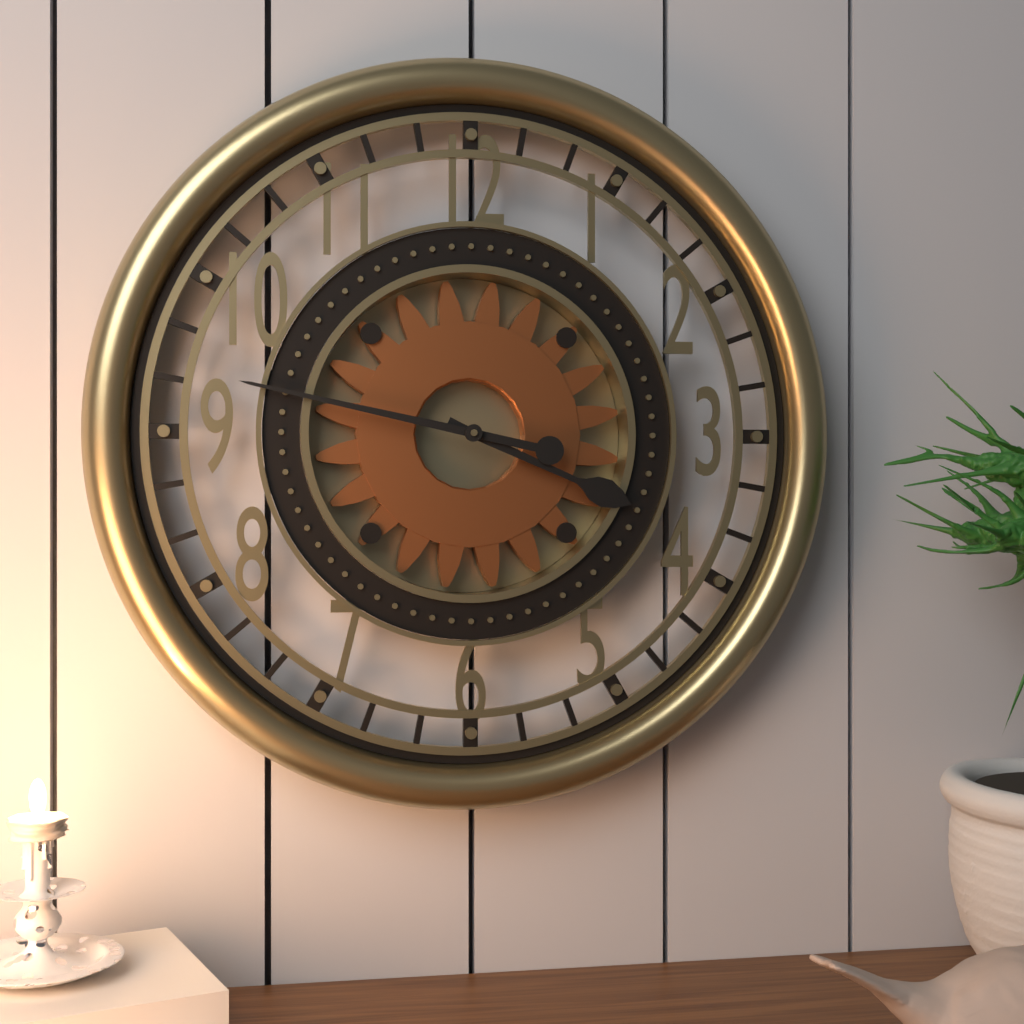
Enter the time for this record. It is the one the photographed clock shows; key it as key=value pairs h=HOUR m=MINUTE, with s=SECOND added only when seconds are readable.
h=3 m=47
